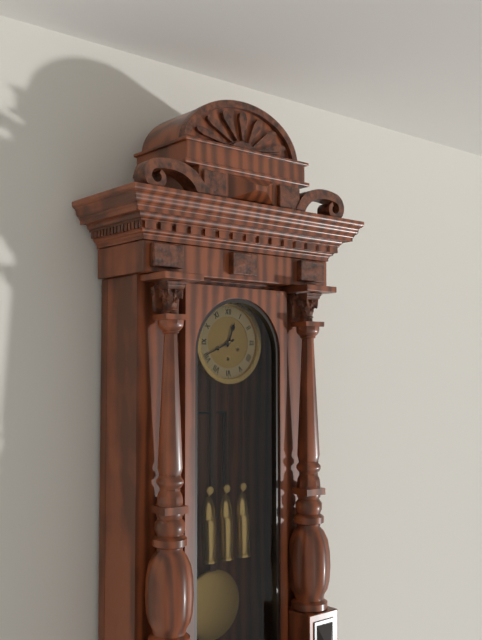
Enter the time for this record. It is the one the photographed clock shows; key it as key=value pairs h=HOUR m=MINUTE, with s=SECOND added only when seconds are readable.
h=12 m=41
